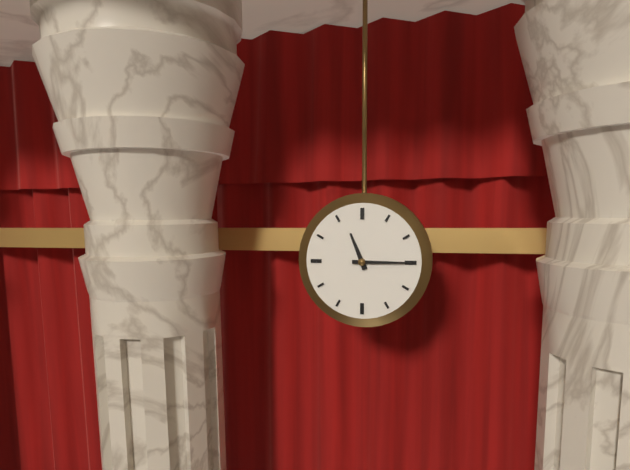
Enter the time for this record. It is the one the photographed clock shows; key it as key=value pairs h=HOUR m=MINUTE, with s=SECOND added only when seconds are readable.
h=11 m=15
